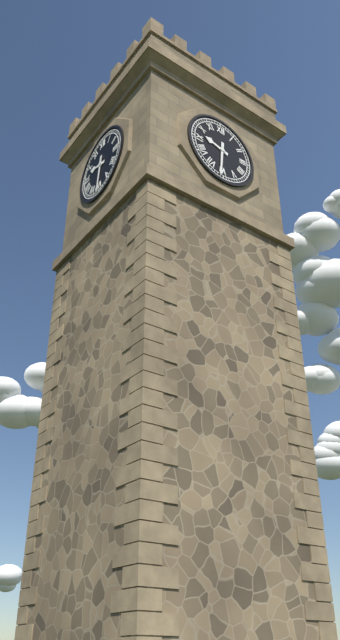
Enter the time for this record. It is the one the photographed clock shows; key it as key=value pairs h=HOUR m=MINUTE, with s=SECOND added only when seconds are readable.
h=9 m=31
